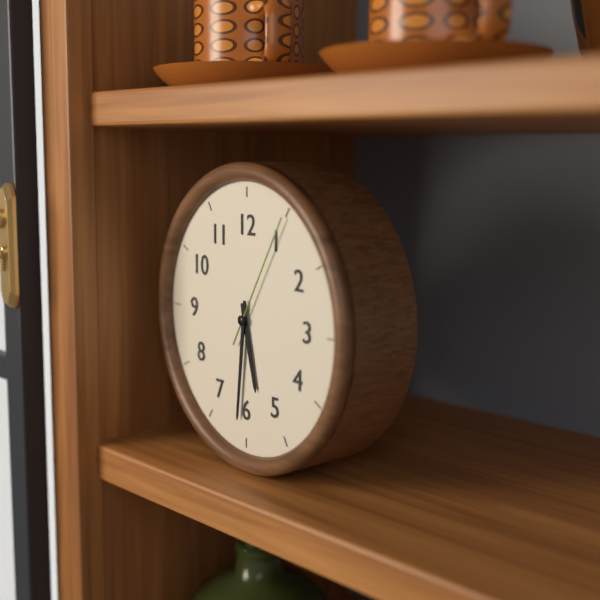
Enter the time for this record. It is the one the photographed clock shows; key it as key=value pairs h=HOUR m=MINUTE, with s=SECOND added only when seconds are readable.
h=5 m=31 s=5
